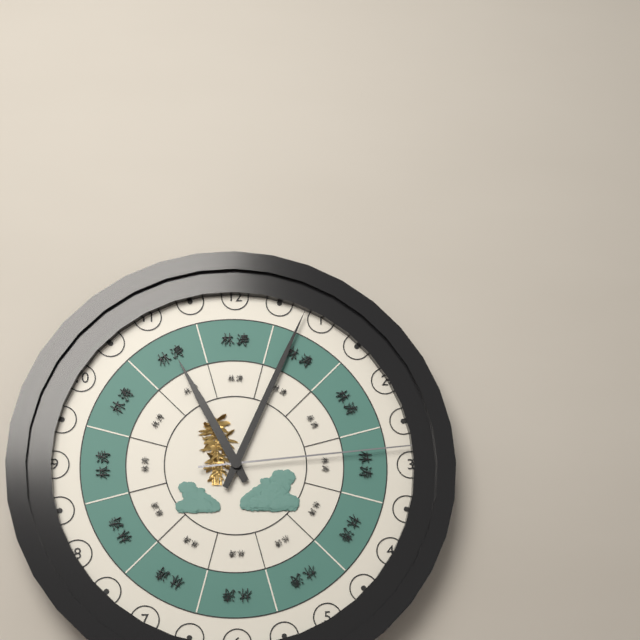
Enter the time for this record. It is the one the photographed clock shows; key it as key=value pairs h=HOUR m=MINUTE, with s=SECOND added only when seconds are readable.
h=11 m=4 s=14
